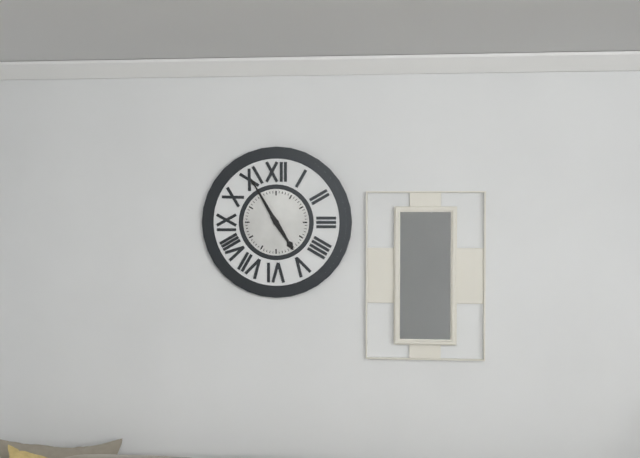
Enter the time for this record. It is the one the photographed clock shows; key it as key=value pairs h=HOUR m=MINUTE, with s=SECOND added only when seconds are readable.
h=4 m=55
